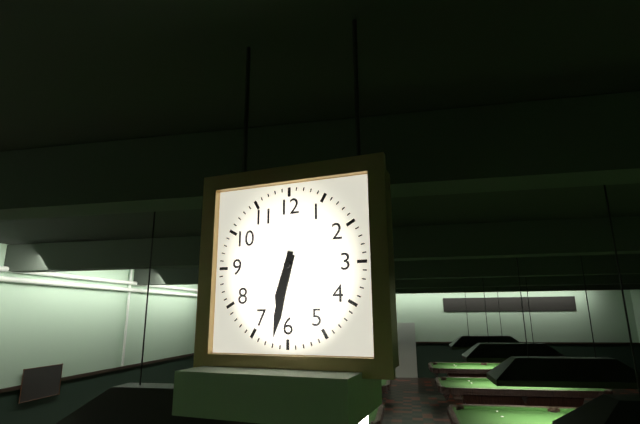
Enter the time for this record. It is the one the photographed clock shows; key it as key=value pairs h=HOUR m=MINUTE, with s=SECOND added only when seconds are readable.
h=6 m=32
